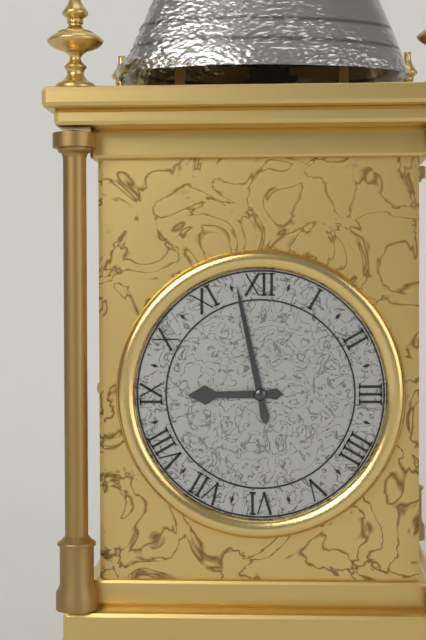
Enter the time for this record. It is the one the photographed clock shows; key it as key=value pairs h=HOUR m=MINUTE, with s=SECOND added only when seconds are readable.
h=8 m=58
